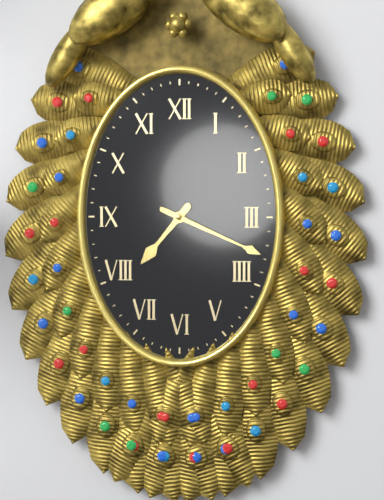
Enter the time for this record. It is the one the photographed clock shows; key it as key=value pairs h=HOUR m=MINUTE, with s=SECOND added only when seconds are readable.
h=7 m=19
